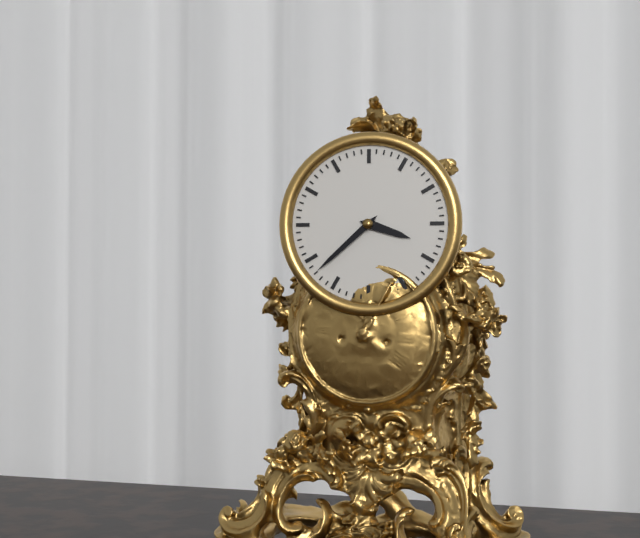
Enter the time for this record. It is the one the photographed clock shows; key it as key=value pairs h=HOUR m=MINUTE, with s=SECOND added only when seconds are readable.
h=3 m=38
